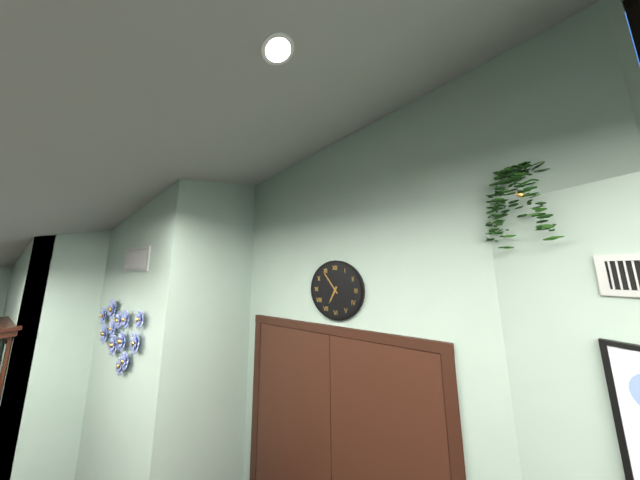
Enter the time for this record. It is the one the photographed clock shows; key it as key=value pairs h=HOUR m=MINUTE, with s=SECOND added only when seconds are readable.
h=6 m=54
